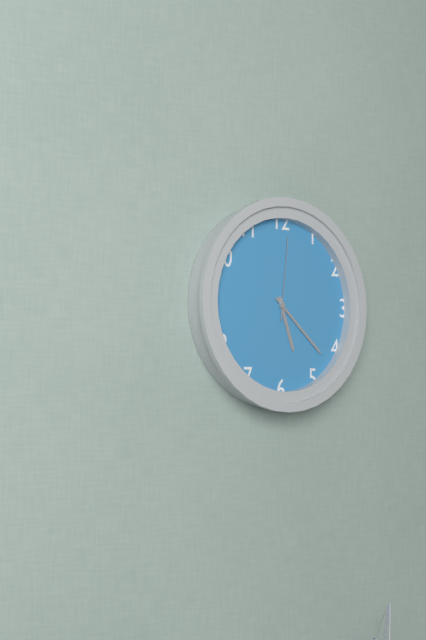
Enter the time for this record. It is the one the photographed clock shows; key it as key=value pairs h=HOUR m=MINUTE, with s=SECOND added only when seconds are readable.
h=5 m=22 s=1
